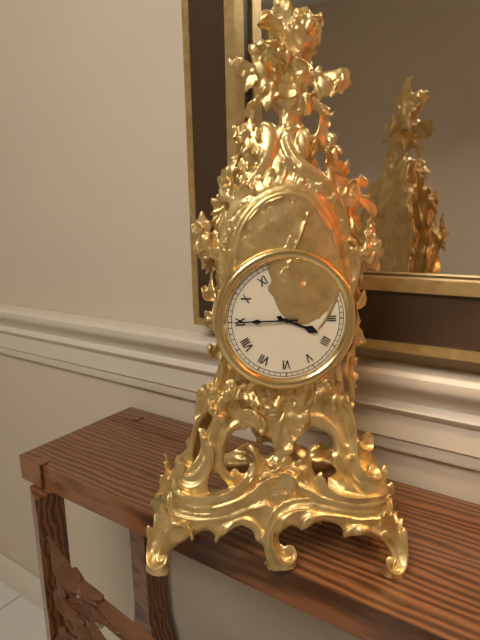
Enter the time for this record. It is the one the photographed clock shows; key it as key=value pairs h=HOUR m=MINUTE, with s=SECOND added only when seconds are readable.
h=3 m=45
